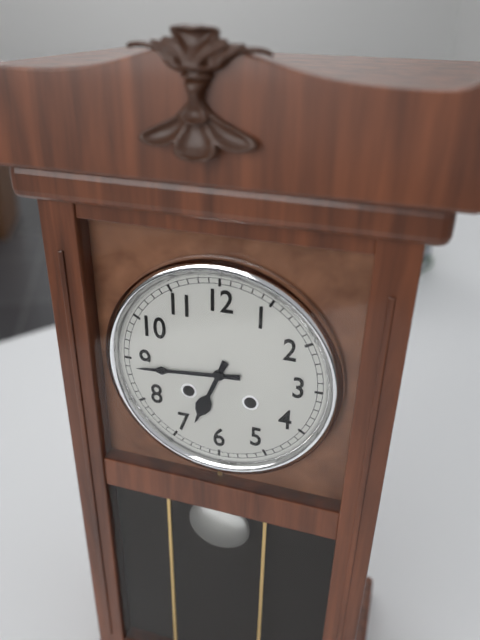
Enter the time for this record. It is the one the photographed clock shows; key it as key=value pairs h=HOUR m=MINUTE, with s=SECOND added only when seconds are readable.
h=6 m=44
